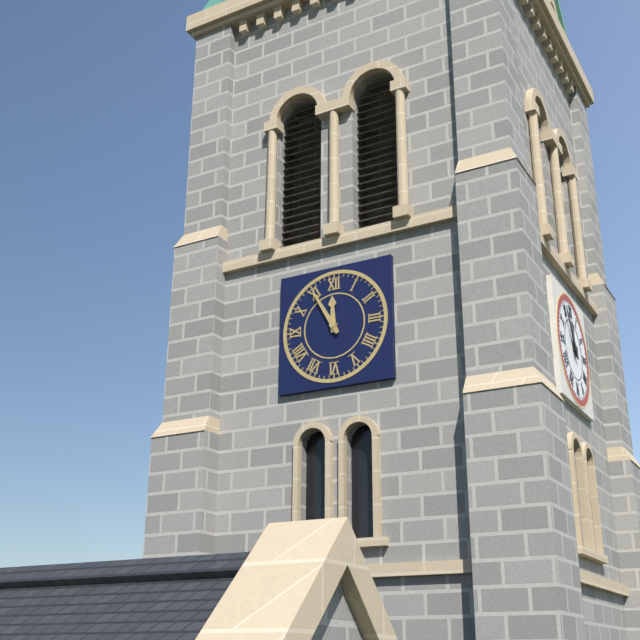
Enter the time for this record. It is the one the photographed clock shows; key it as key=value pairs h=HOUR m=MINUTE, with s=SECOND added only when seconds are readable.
h=11 m=55
